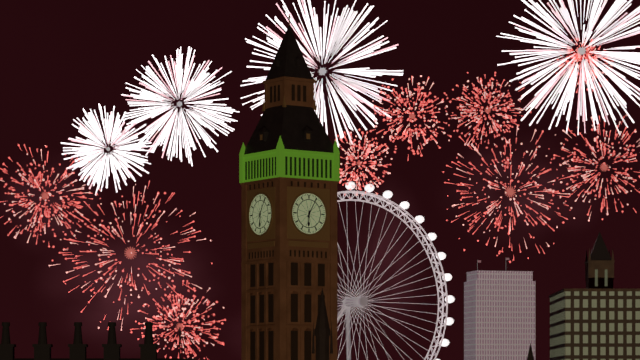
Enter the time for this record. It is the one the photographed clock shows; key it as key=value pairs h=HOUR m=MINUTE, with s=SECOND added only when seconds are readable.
h=6 m=5
